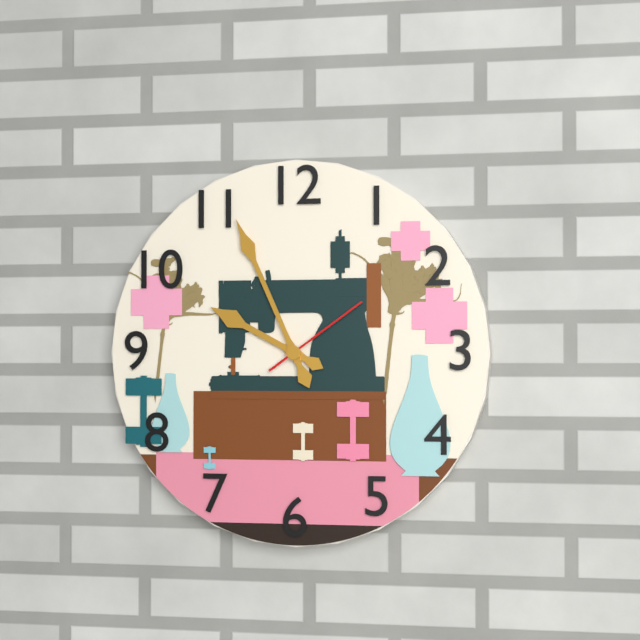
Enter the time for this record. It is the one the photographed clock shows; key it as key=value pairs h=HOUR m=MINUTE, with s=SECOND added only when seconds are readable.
h=9 m=56 s=9
